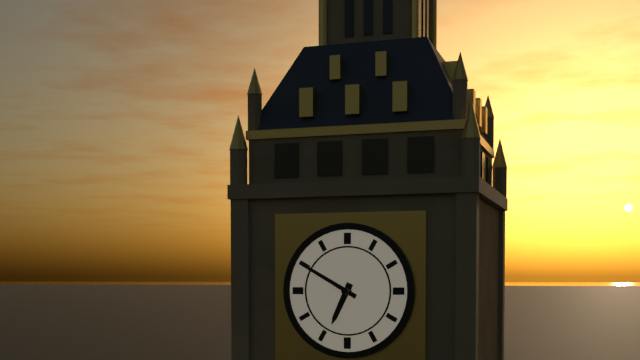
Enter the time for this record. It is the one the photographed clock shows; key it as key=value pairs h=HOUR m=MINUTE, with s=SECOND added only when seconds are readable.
h=6 m=50
